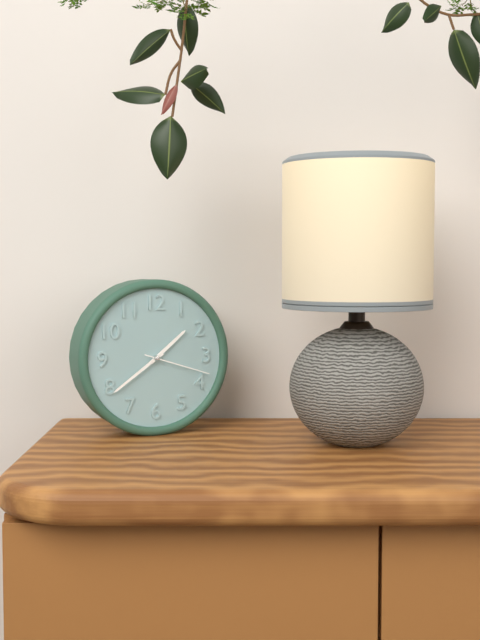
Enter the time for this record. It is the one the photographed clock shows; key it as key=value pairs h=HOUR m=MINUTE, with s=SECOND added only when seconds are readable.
h=1 m=39 s=18
